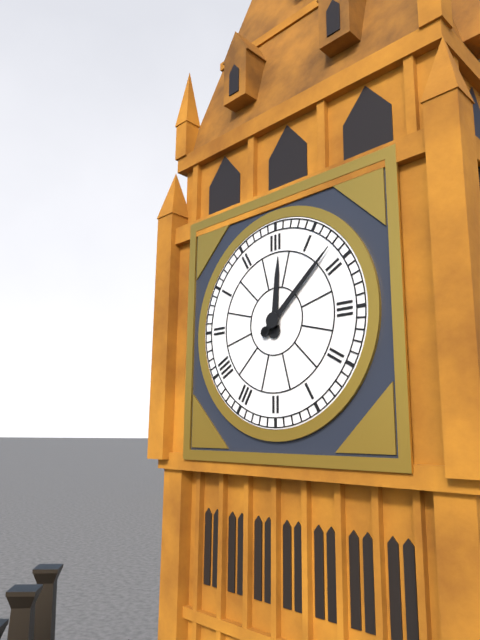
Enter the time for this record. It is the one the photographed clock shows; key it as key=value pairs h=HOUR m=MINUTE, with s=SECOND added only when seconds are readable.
h=12 m=8
